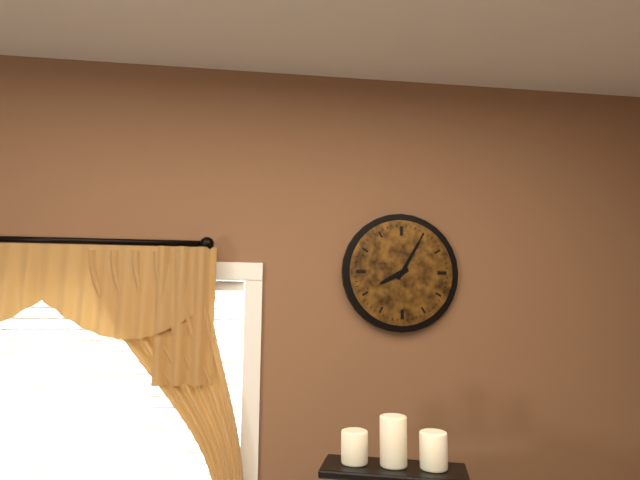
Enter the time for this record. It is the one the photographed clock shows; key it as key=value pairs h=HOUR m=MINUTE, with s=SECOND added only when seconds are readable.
h=8 m=5
